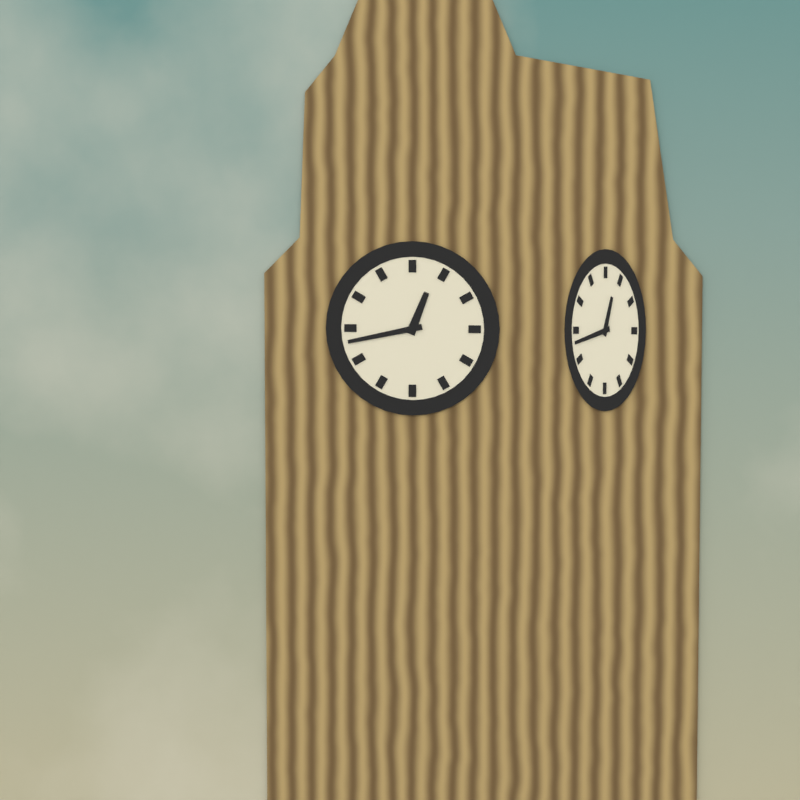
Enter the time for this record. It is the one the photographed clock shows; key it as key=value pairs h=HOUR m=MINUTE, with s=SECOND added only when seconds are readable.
h=12 m=43
